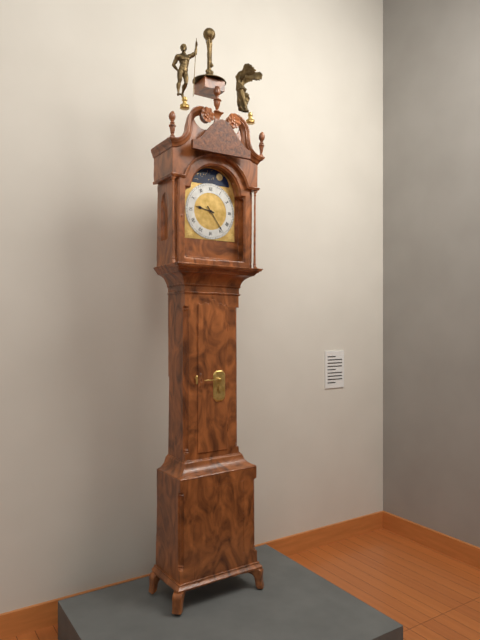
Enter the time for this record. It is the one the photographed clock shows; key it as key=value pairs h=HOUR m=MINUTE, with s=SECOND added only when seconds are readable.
h=9 m=24
